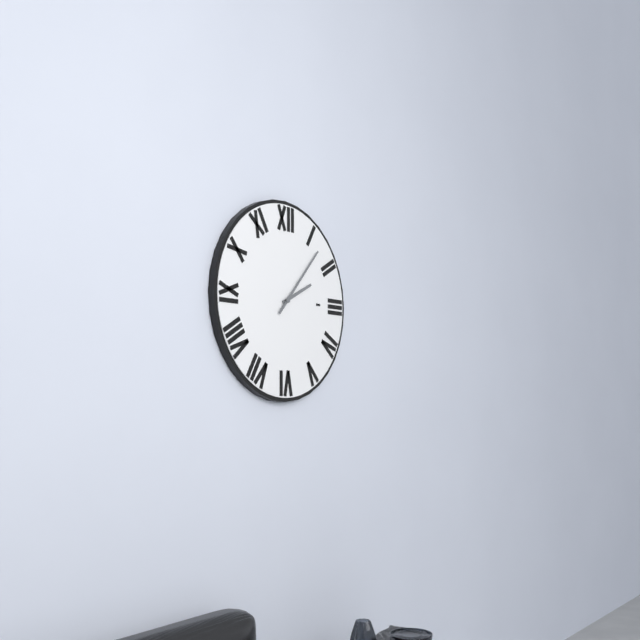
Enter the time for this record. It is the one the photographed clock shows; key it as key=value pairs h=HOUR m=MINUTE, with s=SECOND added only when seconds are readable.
h=2 m=7
